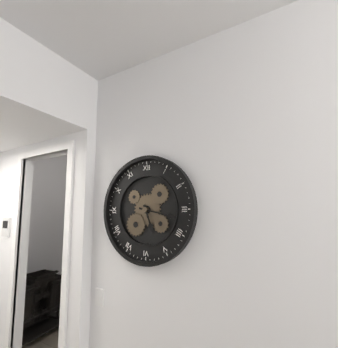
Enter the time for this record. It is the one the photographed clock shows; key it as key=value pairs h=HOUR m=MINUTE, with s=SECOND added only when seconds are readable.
h=5 m=17
